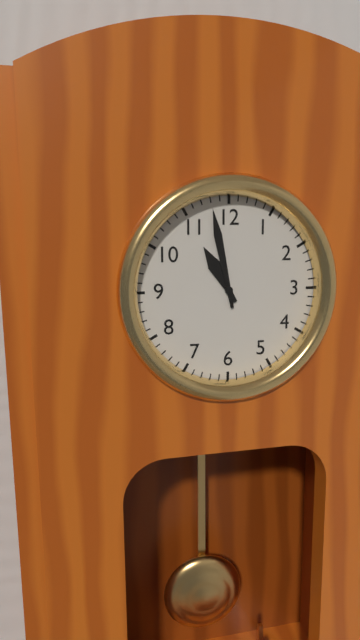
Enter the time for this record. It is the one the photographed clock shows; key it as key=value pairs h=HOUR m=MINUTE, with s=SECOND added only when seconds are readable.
h=10 m=58
